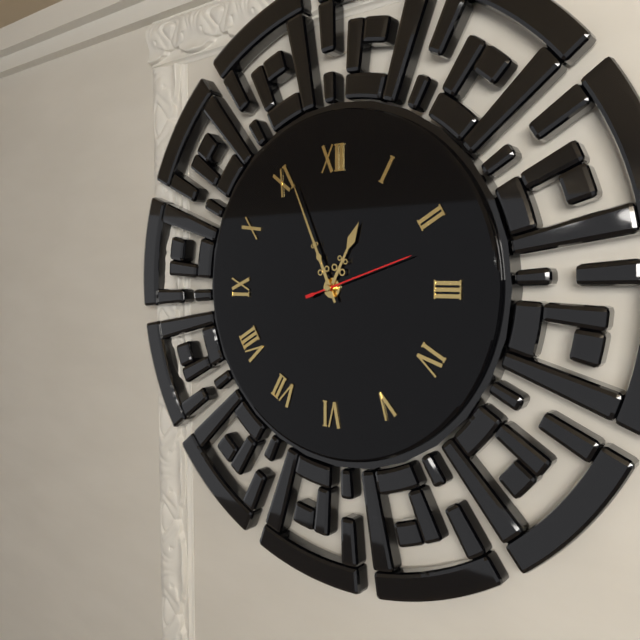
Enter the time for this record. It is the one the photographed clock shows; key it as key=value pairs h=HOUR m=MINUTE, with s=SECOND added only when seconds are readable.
h=12 m=56 s=12
